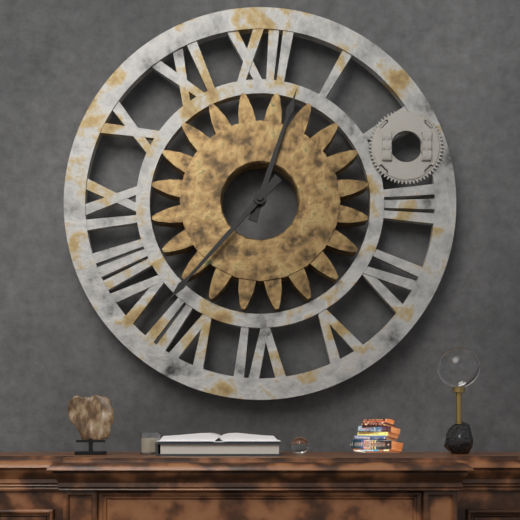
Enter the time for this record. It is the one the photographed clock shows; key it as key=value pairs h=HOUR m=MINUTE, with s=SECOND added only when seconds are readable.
h=12 m=37
